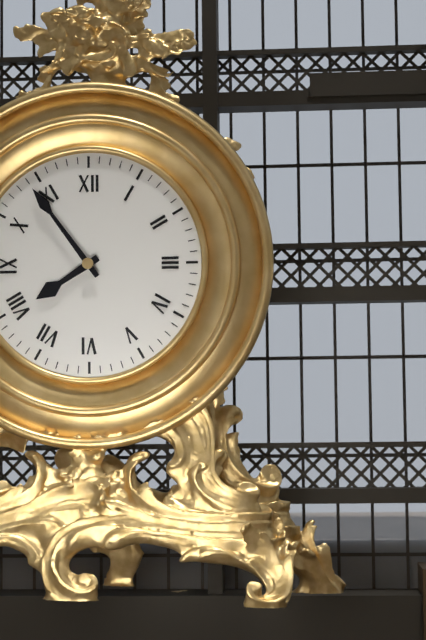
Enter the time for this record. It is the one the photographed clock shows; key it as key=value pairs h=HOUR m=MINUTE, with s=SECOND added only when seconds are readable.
h=7 m=54
